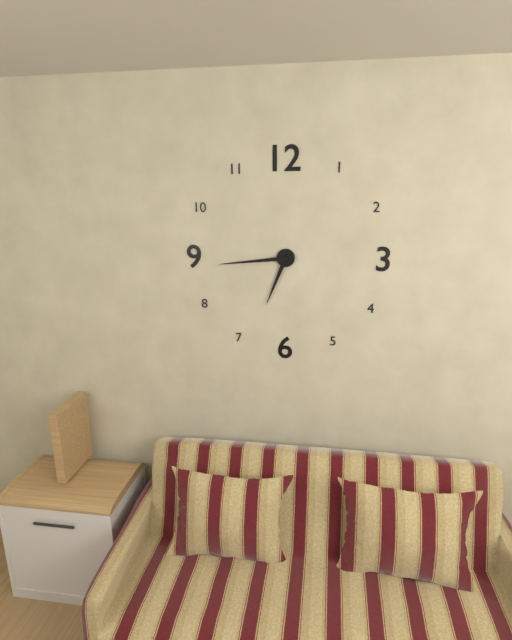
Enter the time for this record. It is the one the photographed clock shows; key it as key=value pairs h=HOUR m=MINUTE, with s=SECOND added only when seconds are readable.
h=6 m=44
